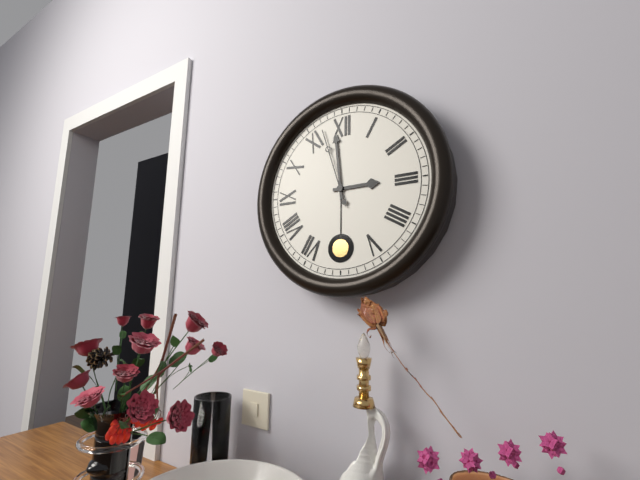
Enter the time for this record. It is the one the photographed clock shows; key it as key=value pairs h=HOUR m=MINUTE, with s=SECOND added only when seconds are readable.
h=2 m=59 s=57
